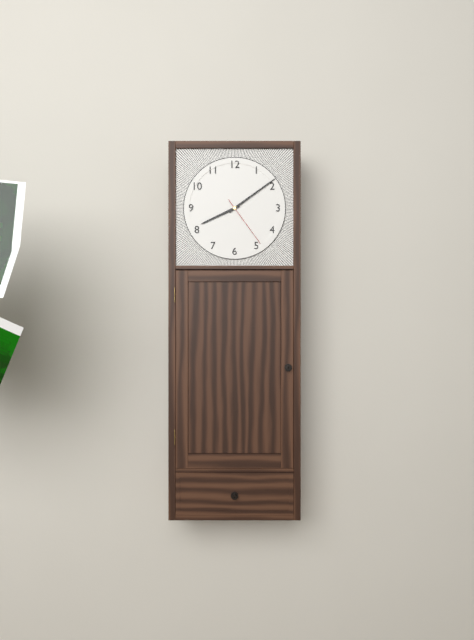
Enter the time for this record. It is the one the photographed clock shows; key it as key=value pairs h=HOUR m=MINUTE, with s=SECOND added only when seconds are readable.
h=8 m=9 s=24
